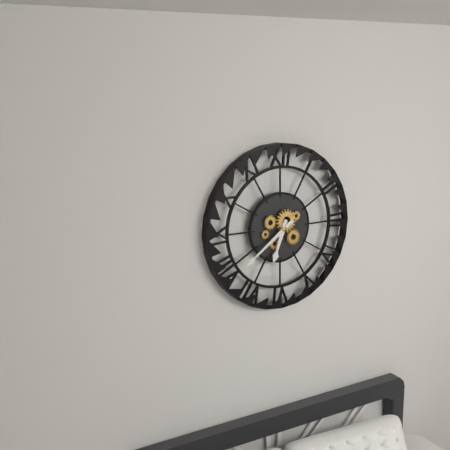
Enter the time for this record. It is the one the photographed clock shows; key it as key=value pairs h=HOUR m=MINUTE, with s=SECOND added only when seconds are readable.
h=6 m=39
